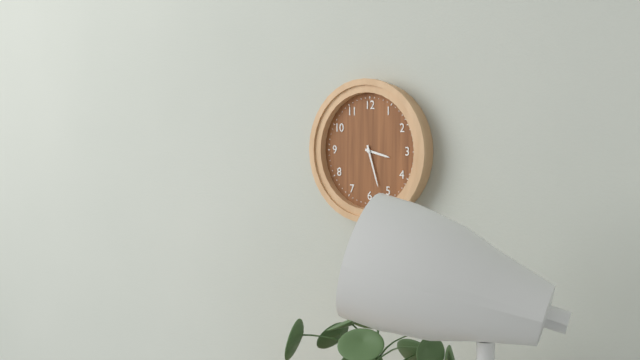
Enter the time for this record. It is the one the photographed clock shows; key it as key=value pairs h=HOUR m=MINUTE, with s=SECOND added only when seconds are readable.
h=3 m=27
